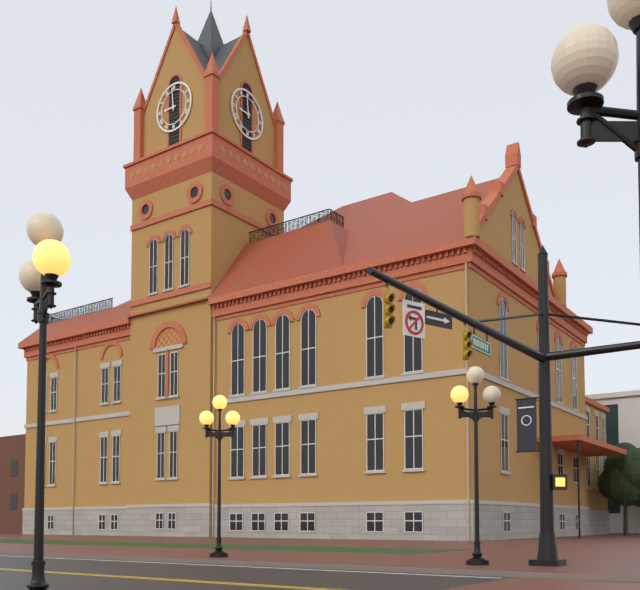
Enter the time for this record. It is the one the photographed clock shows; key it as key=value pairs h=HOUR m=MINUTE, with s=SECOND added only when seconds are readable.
h=8 m=59
